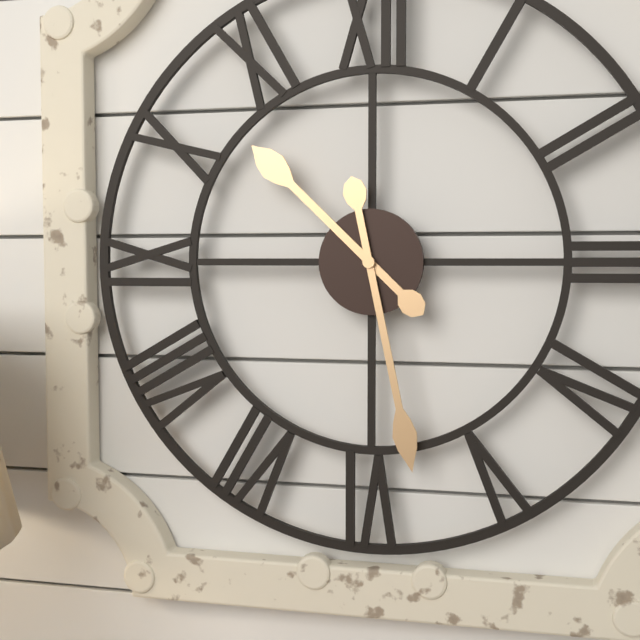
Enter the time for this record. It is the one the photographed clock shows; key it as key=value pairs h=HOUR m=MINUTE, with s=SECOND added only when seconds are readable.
h=10 m=28
